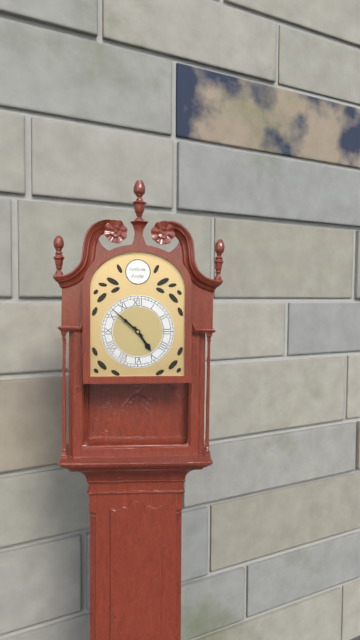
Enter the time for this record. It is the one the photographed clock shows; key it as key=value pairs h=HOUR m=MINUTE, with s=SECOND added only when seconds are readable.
h=4 m=52
